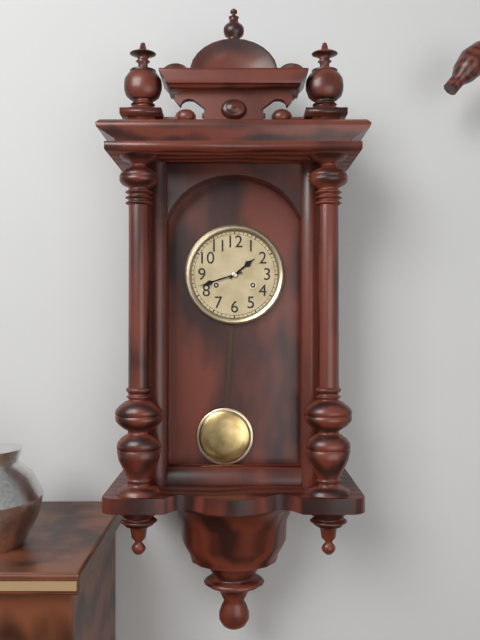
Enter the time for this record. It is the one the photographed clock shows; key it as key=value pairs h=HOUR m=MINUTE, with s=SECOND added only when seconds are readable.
h=1 m=42
